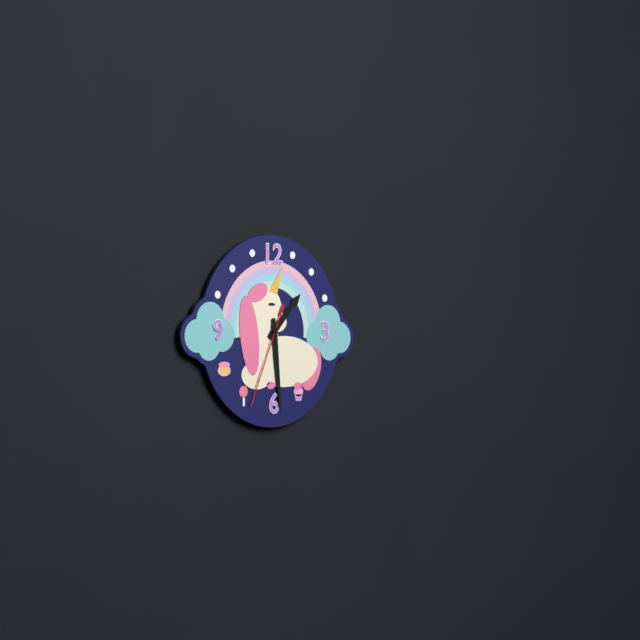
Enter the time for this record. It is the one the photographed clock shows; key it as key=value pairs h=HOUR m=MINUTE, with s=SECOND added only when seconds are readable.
h=1 m=29 s=34
